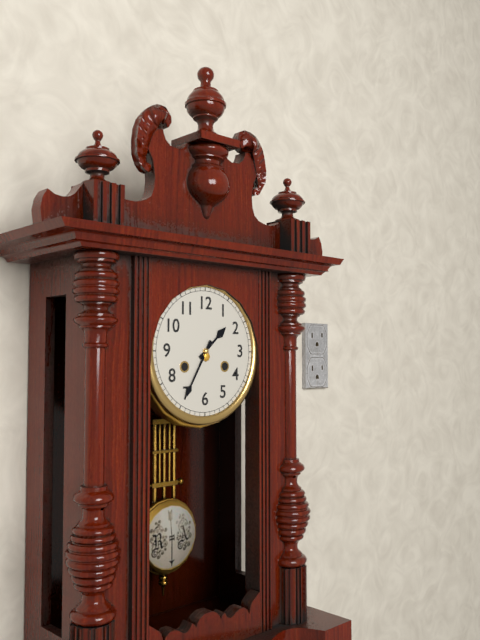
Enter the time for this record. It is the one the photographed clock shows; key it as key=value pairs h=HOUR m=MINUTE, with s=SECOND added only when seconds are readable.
h=1 m=35
